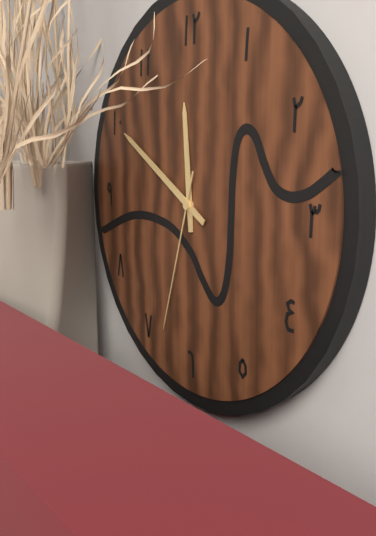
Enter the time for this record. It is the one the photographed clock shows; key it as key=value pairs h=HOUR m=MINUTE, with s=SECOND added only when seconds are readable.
h=11 m=50 s=33
